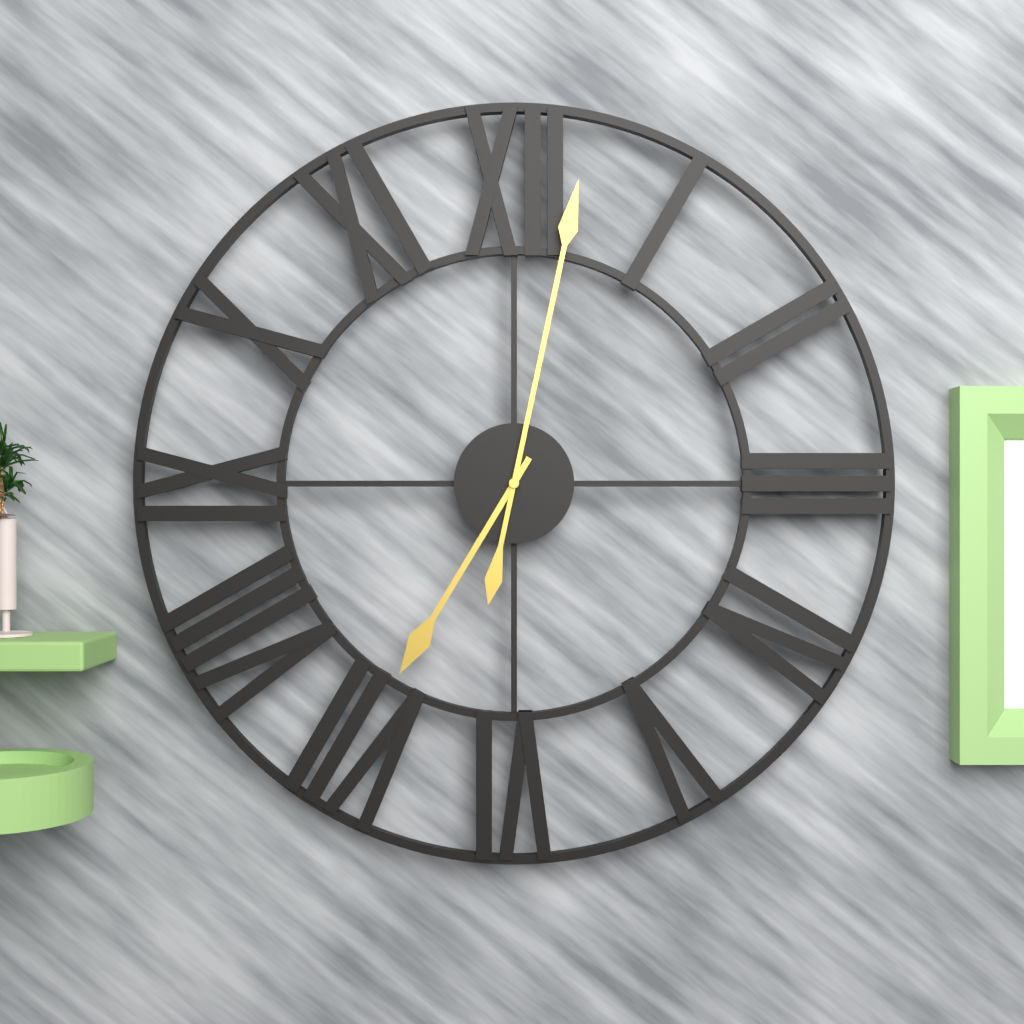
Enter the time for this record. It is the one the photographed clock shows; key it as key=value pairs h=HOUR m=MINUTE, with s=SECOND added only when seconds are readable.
h=7 m=2
